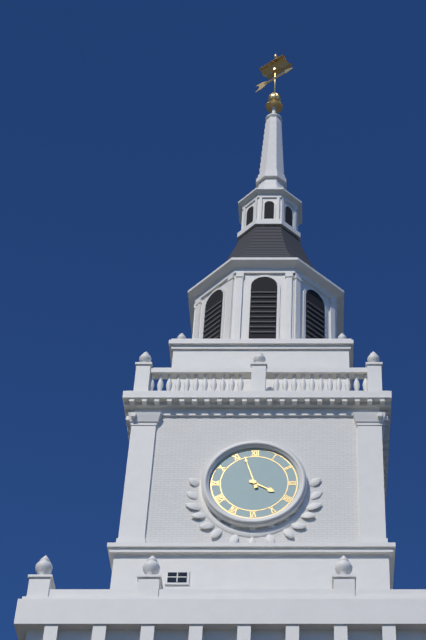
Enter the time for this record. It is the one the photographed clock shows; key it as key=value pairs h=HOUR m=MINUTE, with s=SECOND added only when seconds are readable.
h=3 m=57
